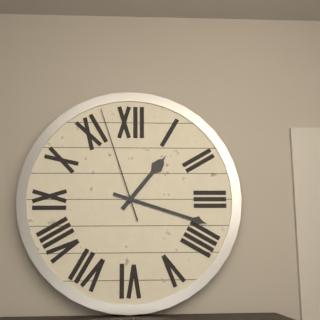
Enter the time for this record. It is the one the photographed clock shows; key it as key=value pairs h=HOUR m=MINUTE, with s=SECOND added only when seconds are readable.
h=1 m=18 s=57
